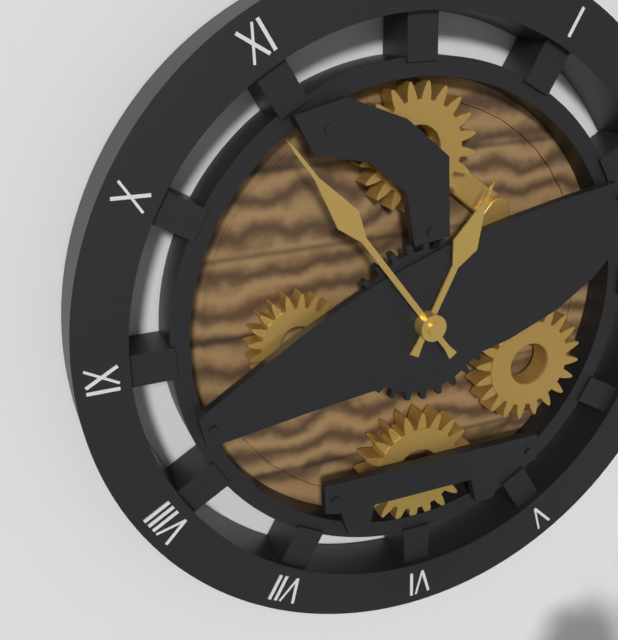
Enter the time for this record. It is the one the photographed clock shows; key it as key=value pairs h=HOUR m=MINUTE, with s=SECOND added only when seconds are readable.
h=12 m=54
